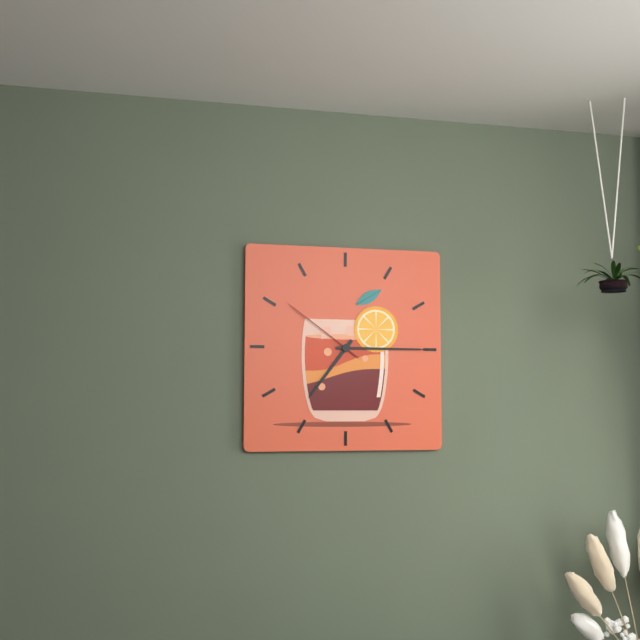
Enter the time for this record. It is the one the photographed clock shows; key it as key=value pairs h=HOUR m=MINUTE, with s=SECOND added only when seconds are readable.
h=7 m=15 s=51
